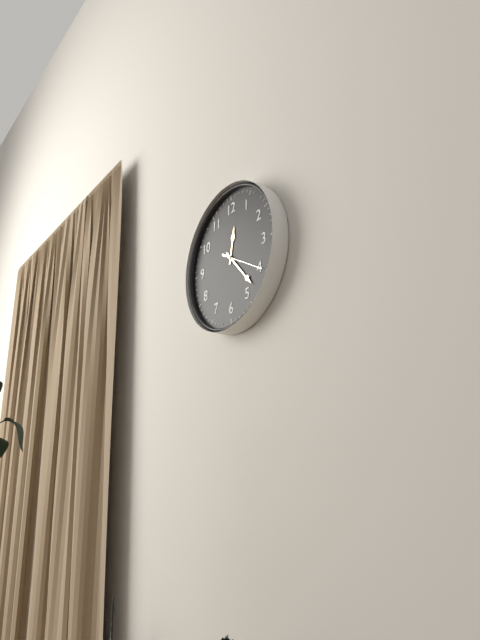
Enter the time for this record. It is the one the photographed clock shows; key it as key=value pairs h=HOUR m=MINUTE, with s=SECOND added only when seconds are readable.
h=12 m=23
